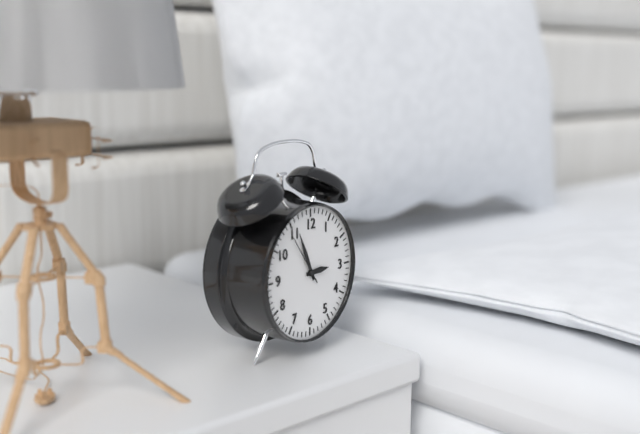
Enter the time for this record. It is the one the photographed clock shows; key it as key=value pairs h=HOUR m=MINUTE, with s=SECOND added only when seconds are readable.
h=2 m=56
